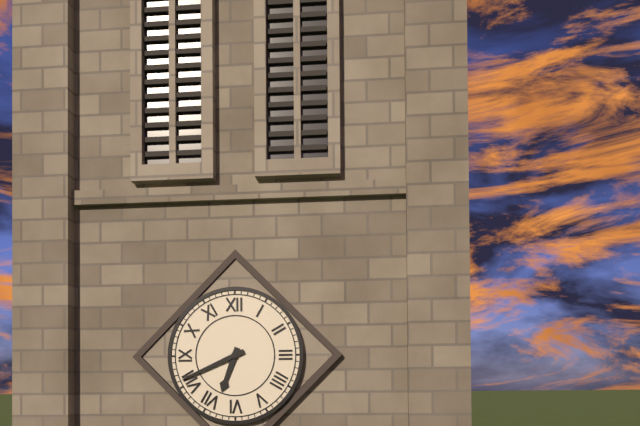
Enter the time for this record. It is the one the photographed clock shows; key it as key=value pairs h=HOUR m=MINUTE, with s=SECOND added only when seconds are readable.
h=6 m=41
